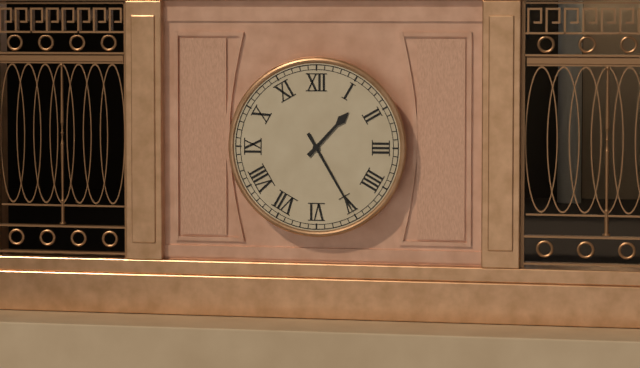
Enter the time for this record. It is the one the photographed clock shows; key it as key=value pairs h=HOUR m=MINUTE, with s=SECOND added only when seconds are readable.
h=1 m=25
